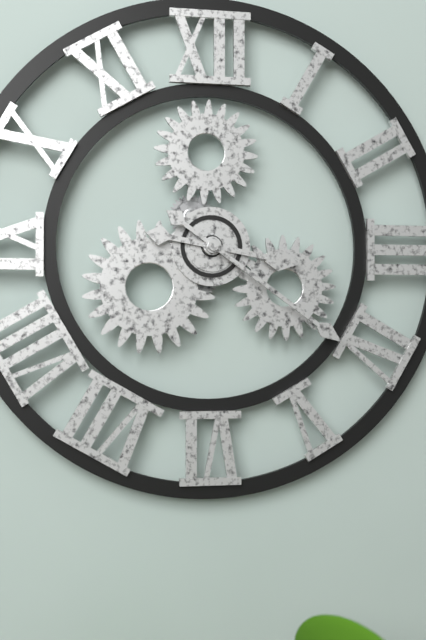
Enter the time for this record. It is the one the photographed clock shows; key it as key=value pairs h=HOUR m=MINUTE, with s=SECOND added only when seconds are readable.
h=3 m=21
